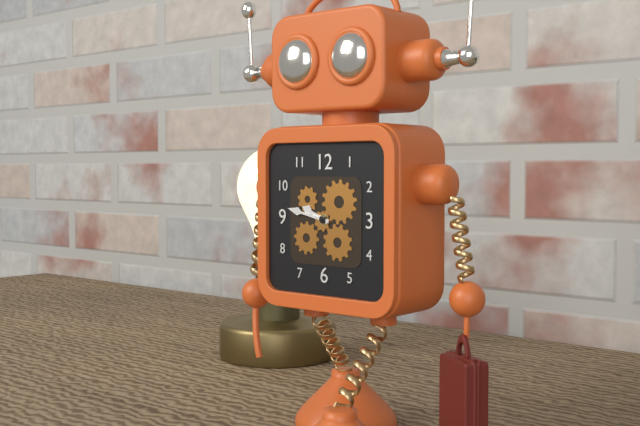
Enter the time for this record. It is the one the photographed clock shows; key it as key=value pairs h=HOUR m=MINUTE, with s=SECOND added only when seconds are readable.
h=9 m=47
